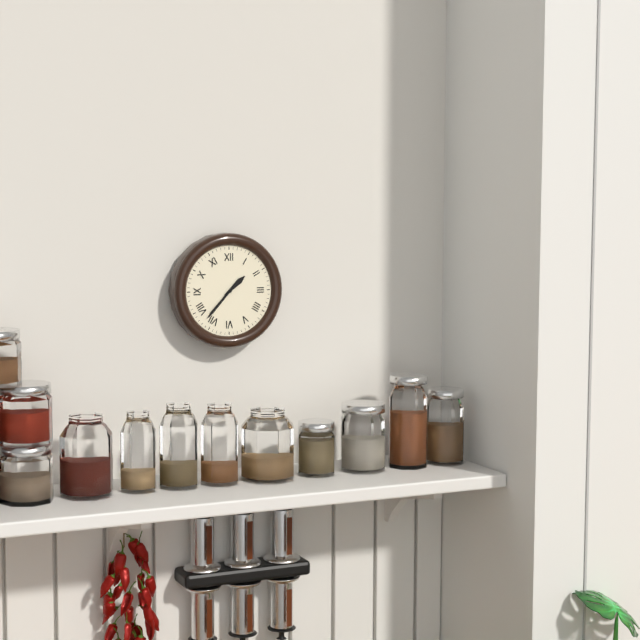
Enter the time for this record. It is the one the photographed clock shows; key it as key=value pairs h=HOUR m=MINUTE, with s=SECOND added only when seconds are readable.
h=1 m=37
